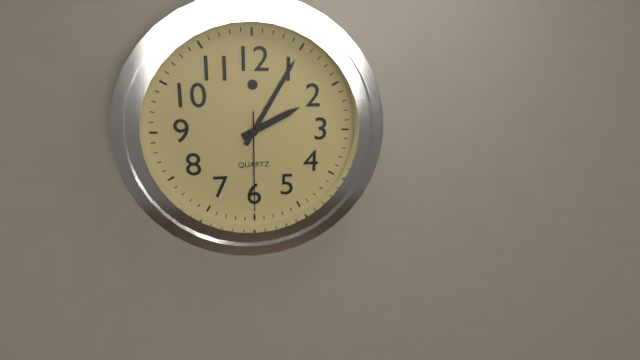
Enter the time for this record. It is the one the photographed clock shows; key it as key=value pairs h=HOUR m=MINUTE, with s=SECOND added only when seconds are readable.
h=2 m=5 s=30
